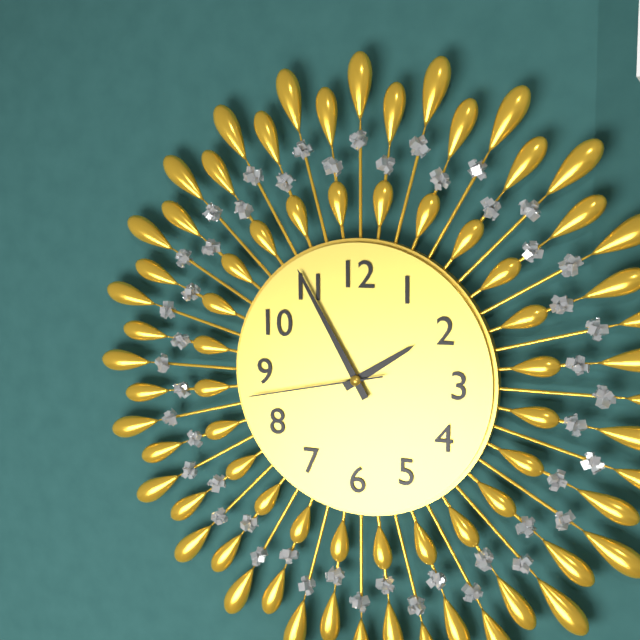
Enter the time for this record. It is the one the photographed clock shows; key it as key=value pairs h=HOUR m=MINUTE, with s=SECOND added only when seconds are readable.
h=1 m=55 s=43
